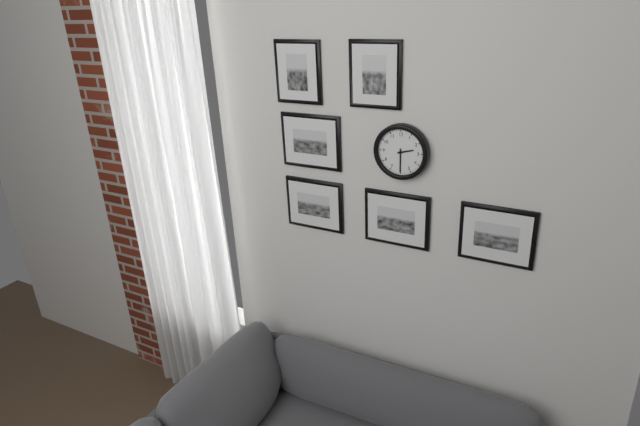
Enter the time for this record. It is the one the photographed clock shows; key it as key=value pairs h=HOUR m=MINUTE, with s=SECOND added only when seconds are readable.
h=2 m=30
